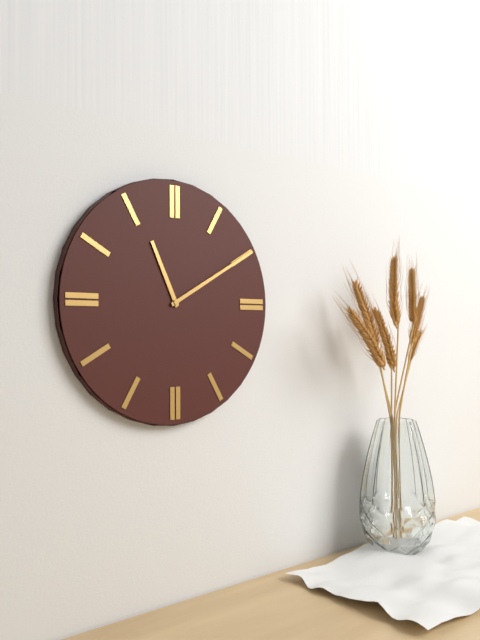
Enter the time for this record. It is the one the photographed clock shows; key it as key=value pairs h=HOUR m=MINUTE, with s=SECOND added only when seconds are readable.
h=11 m=10
